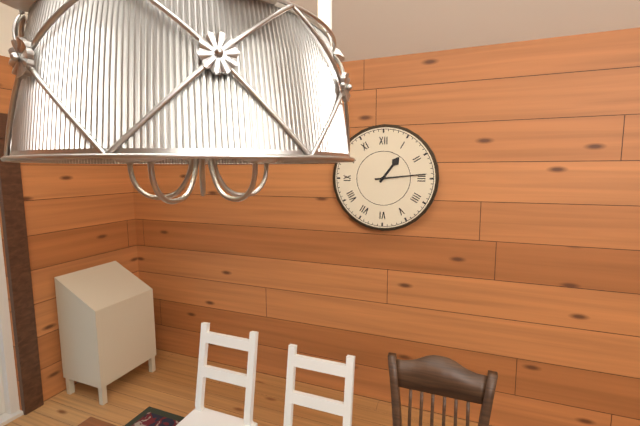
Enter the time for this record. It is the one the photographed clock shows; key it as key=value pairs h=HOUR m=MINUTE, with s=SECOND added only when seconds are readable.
h=1 m=14
